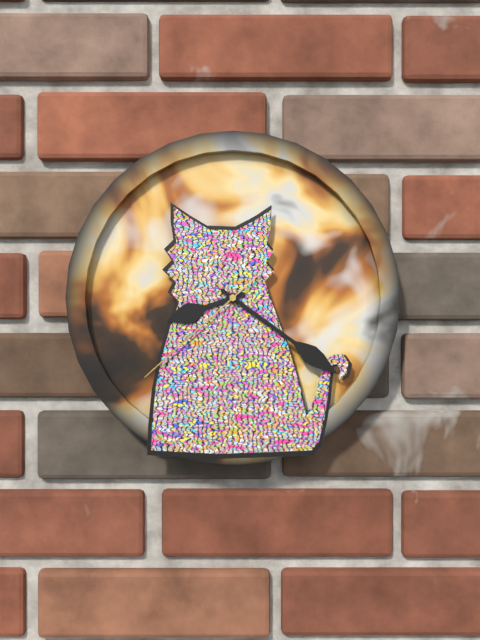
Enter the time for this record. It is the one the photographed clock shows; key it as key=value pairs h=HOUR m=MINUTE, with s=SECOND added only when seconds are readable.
h=8 m=21 s=38
